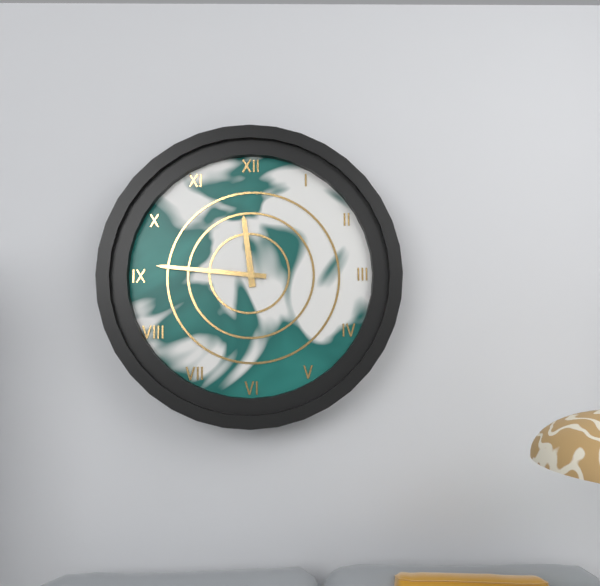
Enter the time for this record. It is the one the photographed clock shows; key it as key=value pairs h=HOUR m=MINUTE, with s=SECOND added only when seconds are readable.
h=11 m=46
